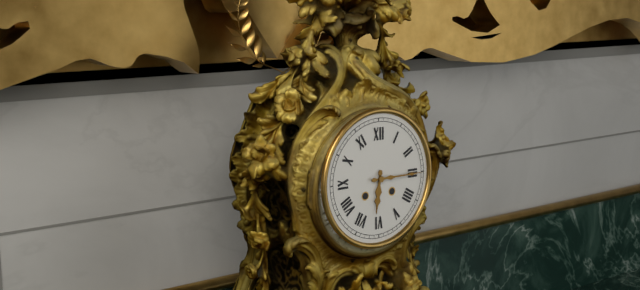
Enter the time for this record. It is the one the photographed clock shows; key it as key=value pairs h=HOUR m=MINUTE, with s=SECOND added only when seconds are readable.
h=6 m=15
